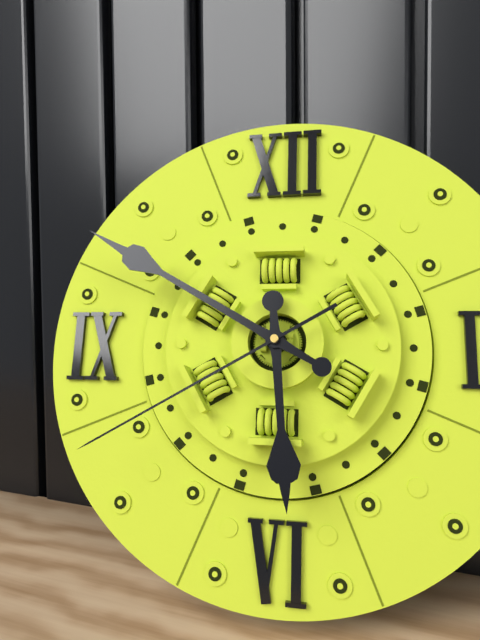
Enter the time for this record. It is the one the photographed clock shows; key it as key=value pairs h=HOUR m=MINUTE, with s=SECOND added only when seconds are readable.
h=5 m=50 s=40
